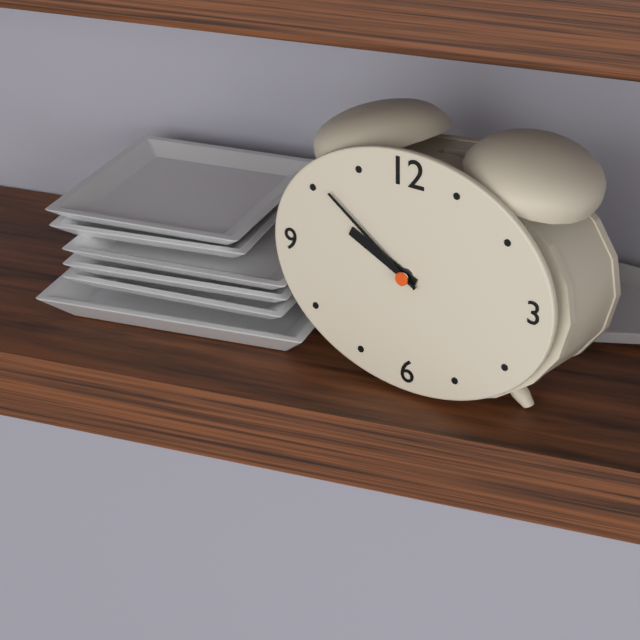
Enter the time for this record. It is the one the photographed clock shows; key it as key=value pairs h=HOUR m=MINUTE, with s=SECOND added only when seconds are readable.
h=9 m=51
